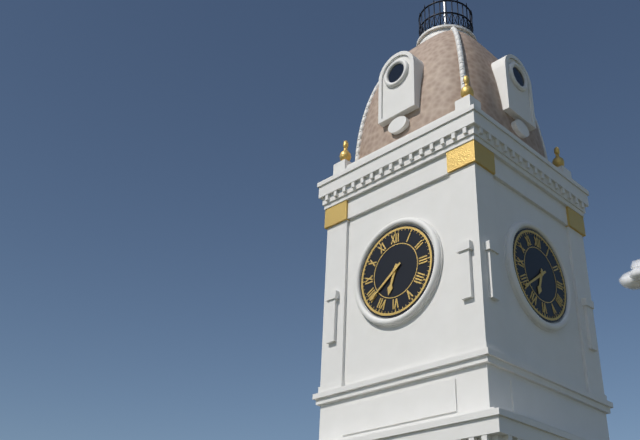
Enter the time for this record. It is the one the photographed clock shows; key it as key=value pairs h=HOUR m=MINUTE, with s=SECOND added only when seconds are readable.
h=6 m=39
